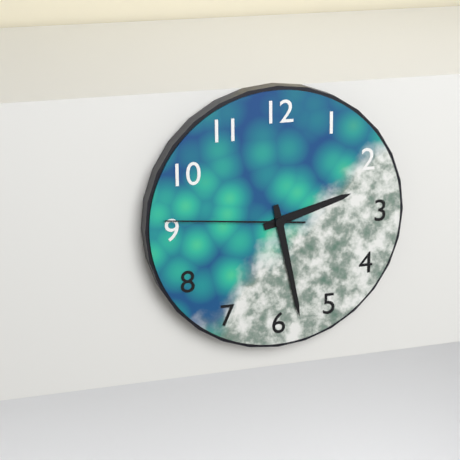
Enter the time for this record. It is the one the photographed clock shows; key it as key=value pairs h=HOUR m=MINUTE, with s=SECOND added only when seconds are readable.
h=2 m=28 s=46
